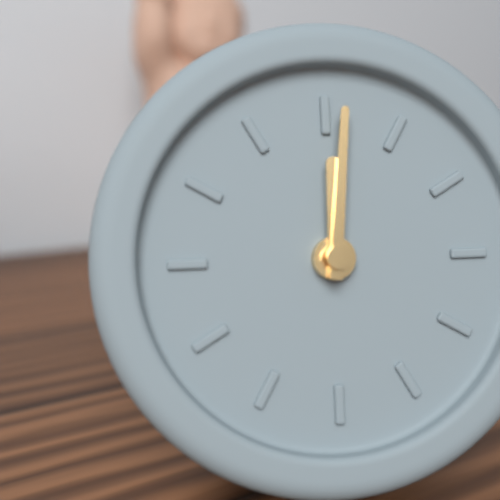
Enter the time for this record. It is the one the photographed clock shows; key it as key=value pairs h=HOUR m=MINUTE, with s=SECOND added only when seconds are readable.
h=12 m=1
